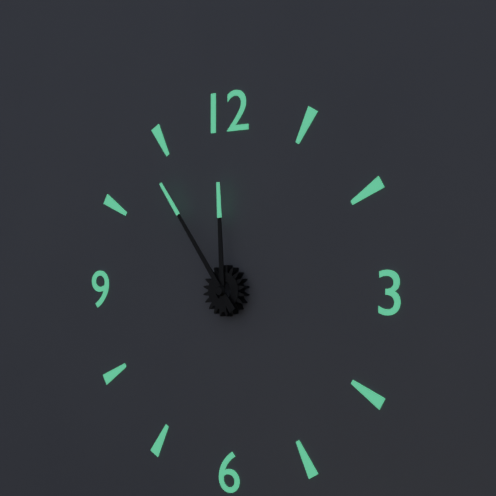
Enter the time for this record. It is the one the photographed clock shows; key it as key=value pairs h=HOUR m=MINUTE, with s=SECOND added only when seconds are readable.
h=11 m=54
